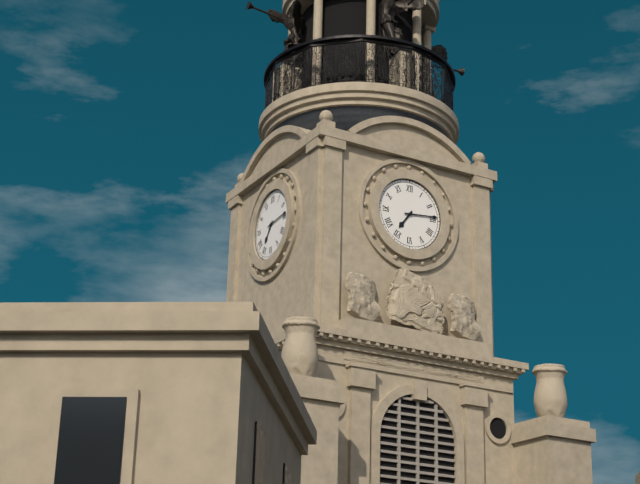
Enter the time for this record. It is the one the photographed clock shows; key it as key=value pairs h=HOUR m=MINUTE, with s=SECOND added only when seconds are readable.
h=7 m=14
